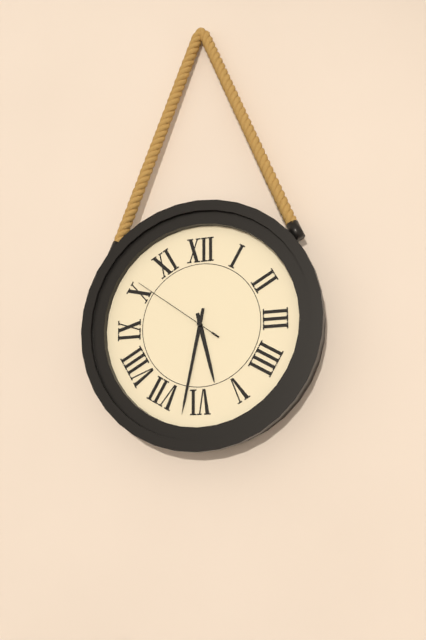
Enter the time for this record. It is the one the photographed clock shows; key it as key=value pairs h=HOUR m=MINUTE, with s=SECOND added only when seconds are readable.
h=5 m=32 s=51
